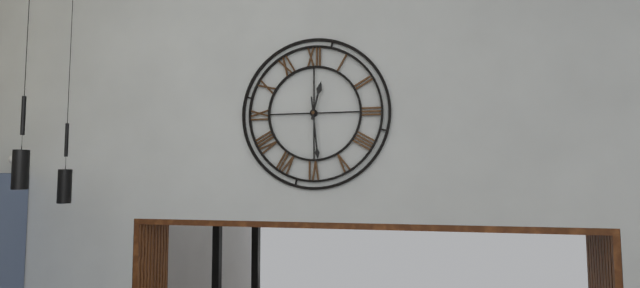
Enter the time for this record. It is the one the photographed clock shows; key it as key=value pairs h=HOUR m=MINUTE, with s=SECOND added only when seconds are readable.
h=12 m=29
